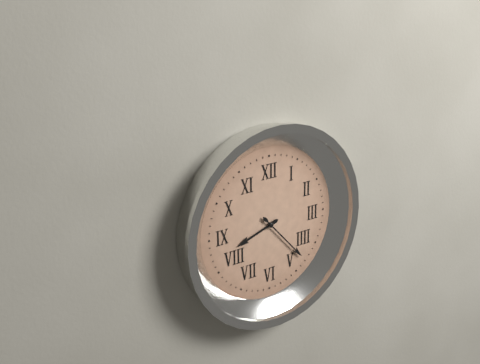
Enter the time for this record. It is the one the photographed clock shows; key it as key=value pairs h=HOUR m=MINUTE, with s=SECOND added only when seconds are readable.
h=8 m=23
